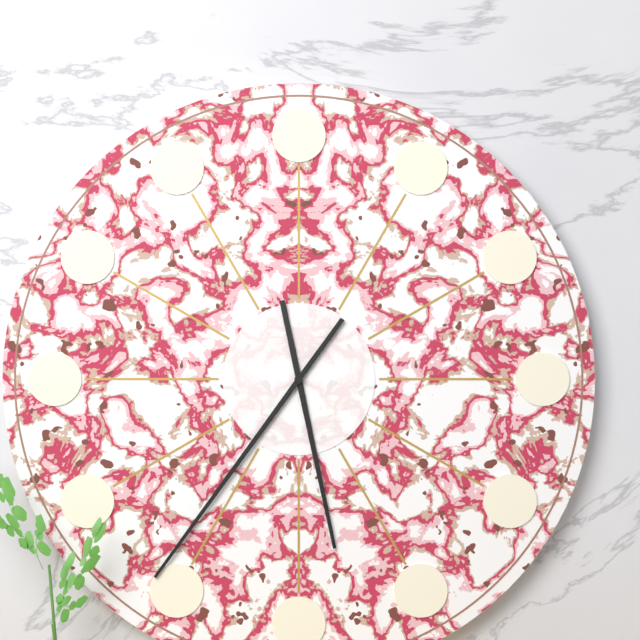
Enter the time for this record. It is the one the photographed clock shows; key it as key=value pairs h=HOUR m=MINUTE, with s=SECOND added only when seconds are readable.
h=5 m=36
